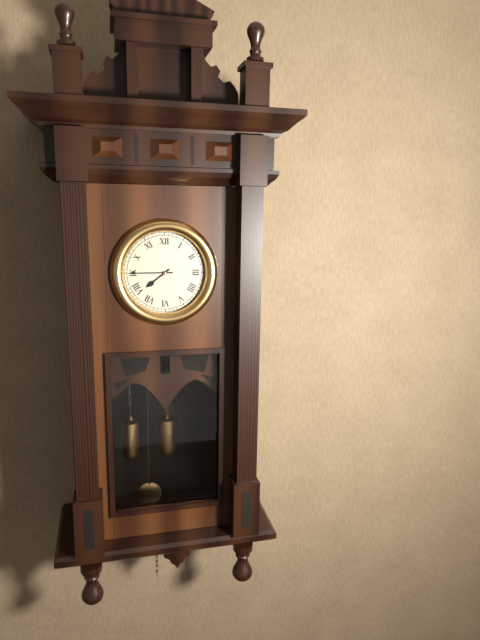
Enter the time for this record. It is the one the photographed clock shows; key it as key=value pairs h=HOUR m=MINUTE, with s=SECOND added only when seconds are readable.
h=7 m=45
